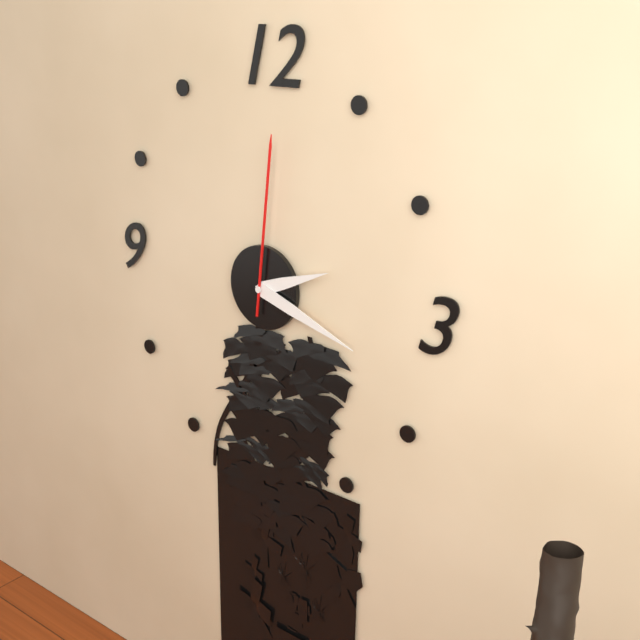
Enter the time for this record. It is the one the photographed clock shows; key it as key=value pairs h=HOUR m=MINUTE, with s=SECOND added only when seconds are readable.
h=2 m=18 s=1
